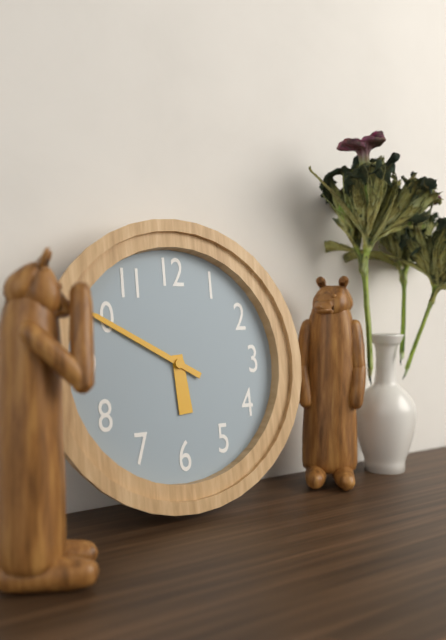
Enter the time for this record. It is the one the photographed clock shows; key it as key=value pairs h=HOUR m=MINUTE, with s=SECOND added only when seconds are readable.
h=5 m=50
